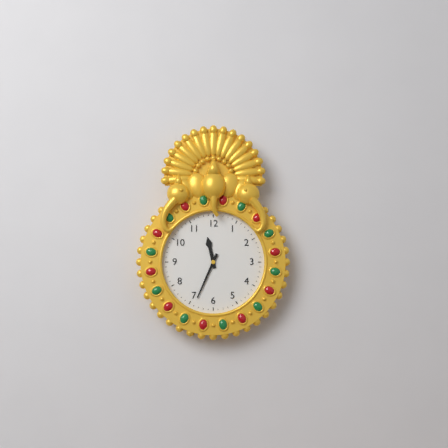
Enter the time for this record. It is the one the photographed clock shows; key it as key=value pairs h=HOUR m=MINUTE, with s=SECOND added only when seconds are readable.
h=11 m=34
